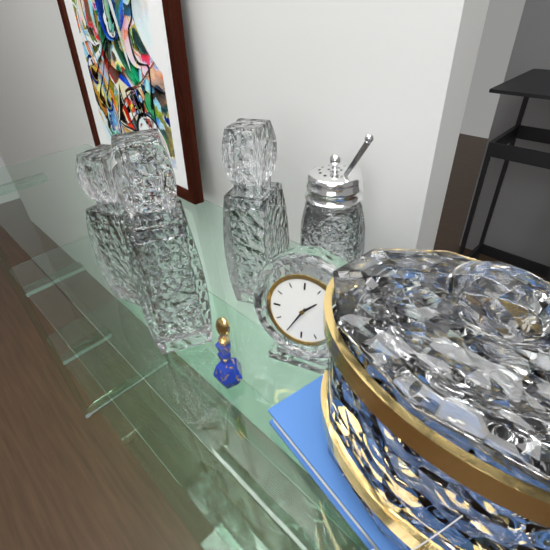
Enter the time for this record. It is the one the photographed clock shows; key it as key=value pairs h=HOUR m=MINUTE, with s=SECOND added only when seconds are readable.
h=1 m=35
